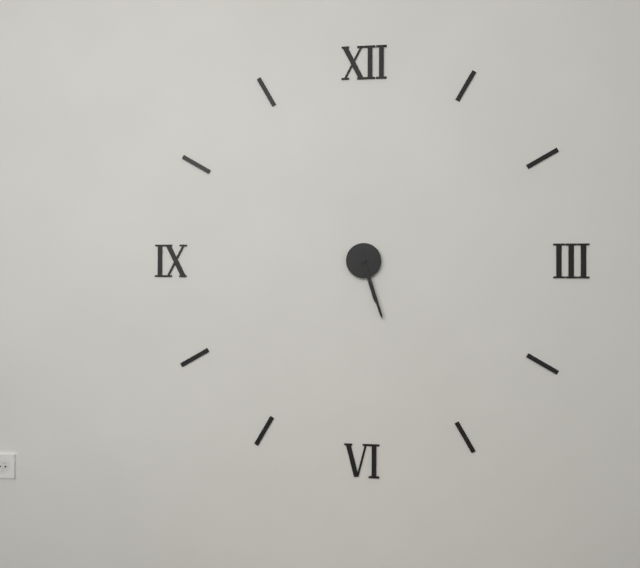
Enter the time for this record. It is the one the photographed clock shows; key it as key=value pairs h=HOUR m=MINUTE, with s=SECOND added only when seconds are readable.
h=5 m=27
